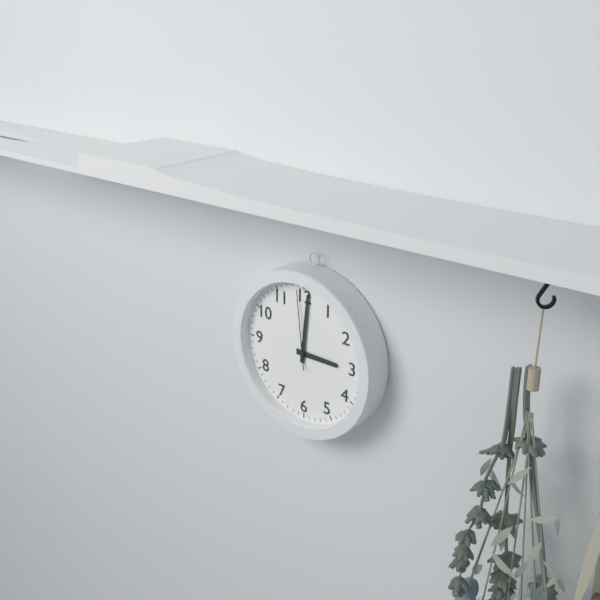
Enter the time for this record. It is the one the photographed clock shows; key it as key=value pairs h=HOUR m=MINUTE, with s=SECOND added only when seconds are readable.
h=3 m=1 s=59
